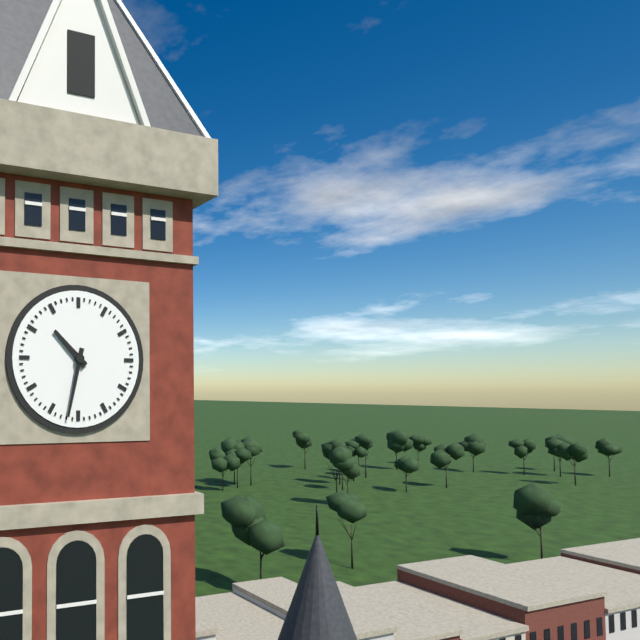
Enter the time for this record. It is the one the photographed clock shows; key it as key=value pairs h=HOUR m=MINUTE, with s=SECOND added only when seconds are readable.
h=10 m=32
